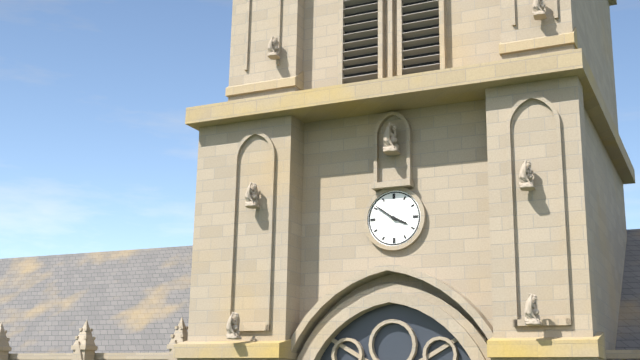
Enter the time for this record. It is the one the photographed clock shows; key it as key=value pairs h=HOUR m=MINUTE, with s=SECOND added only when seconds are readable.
h=3 m=51
